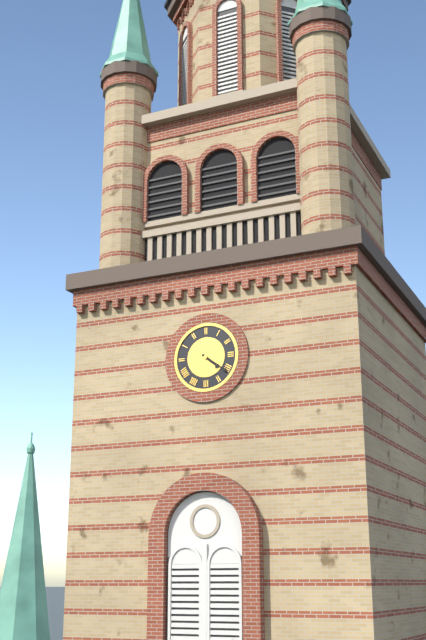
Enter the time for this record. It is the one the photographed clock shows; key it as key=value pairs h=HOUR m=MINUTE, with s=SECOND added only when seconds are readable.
h=4 m=21
